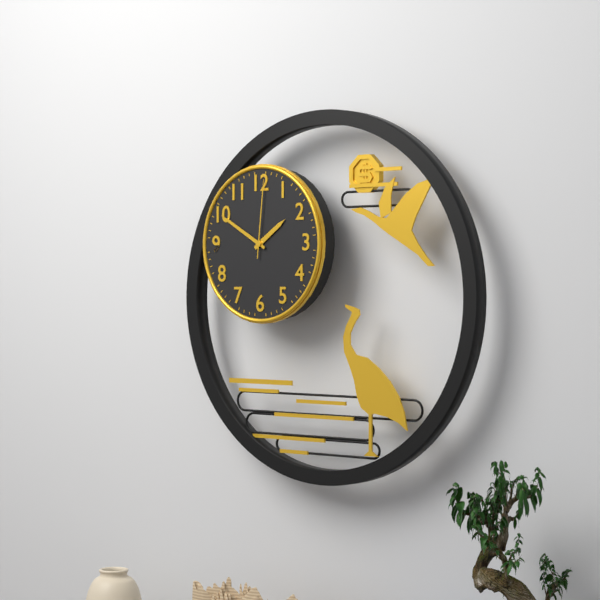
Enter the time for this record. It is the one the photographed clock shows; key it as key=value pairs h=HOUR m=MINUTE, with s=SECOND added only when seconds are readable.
h=1 m=50 s=1
